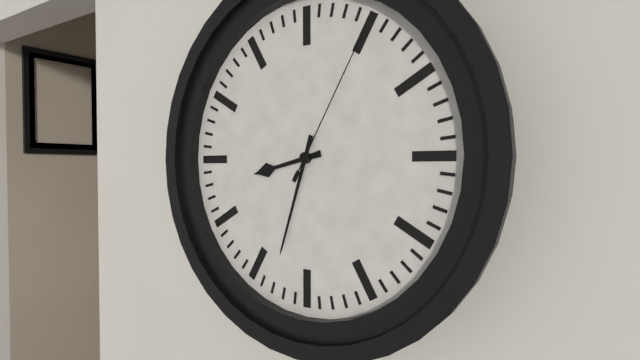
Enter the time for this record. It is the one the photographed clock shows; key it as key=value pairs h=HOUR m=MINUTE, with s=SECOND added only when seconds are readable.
h=8 m=33 s=5
